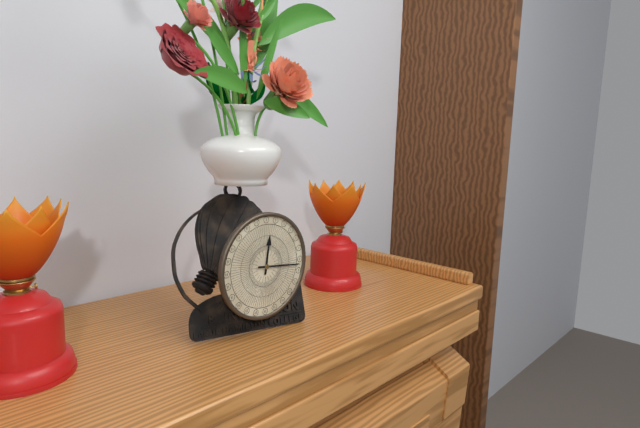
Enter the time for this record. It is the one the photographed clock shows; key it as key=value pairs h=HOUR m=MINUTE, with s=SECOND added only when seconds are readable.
h=12 m=16
